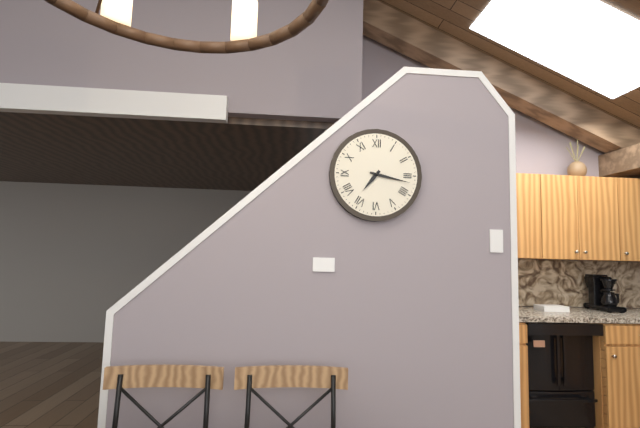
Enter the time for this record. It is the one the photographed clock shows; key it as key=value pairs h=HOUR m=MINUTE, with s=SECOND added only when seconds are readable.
h=7 m=17
